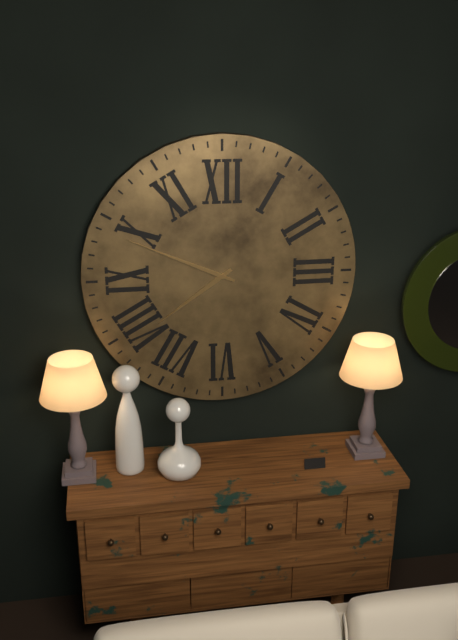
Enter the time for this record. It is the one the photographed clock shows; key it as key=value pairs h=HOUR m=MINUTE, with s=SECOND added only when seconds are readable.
h=7 m=49
